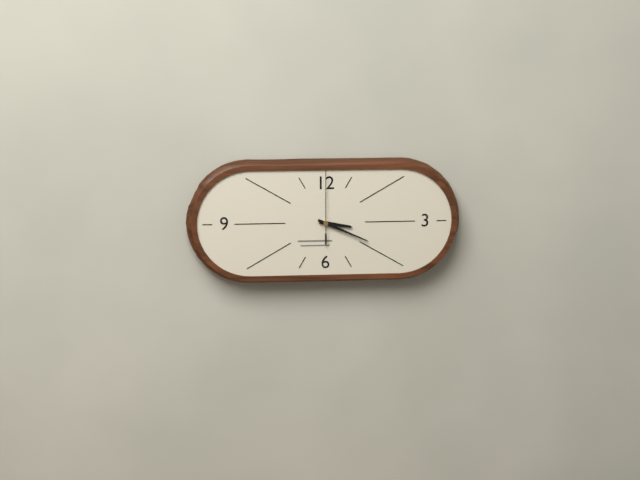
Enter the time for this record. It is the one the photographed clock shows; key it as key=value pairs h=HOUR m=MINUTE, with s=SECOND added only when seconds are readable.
h=3 m=19 s=0
